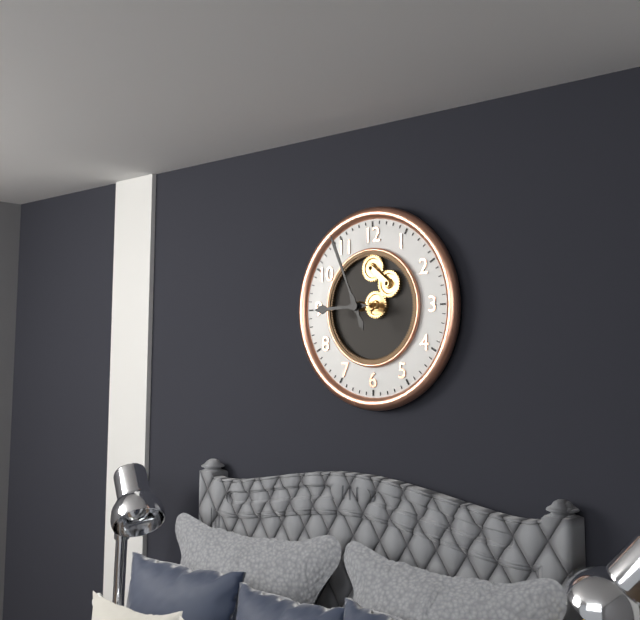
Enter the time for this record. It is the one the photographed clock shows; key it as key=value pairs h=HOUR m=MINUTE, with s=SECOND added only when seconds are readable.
h=8 m=56
